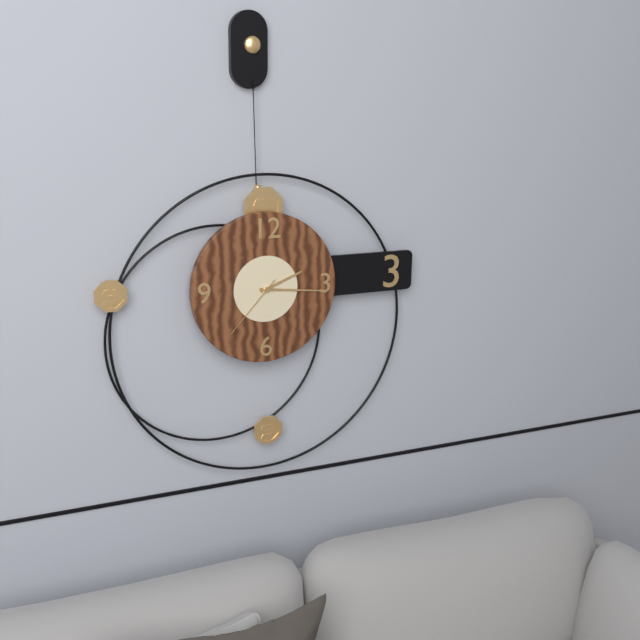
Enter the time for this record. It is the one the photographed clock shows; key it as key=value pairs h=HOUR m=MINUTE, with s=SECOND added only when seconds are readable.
h=2 m=16 s=37
